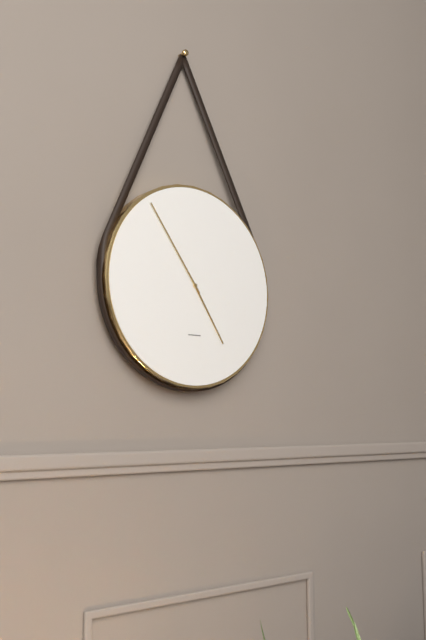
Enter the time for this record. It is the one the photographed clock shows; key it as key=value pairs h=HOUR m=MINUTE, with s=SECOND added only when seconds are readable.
h=4 m=54
